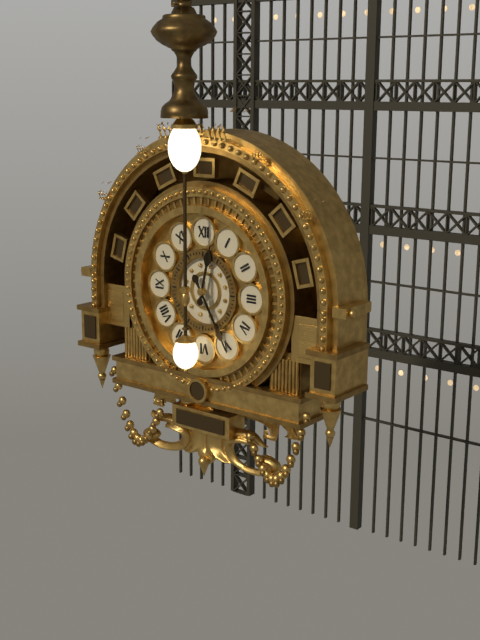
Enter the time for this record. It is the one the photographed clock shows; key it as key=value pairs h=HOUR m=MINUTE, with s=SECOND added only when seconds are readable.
h=12 m=25
